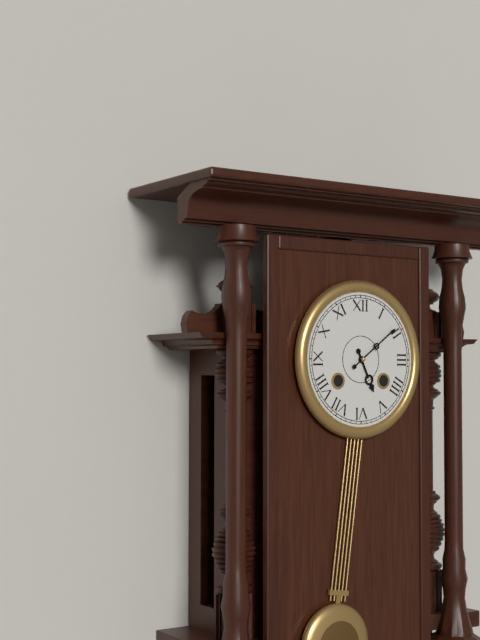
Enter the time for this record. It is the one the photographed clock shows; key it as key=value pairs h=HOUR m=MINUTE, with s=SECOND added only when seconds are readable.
h=5 m=9
